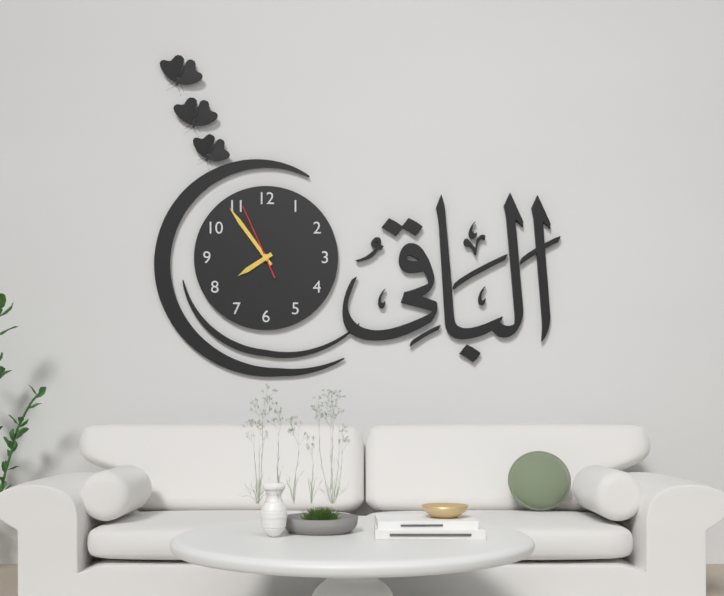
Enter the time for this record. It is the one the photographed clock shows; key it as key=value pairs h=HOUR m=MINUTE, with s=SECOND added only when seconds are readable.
h=7 m=54 s=56
